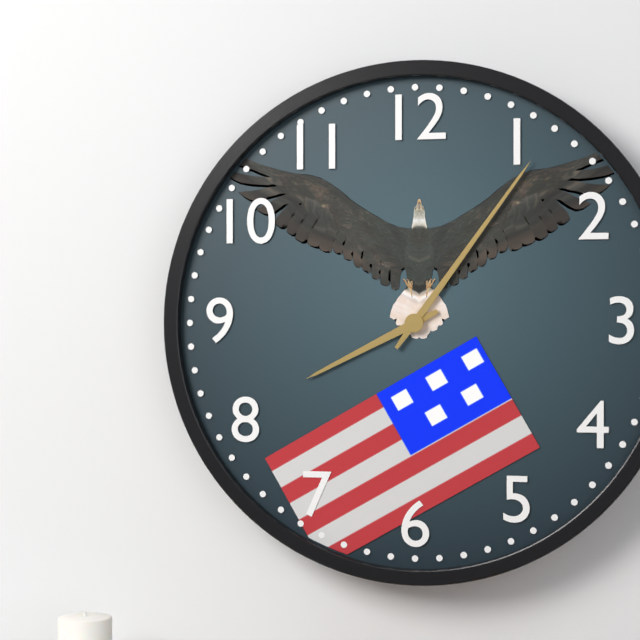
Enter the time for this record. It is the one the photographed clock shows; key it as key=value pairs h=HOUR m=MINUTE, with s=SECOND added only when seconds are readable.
h=8 m=6
